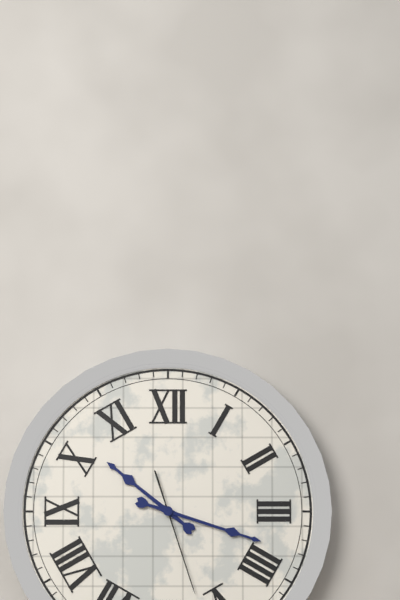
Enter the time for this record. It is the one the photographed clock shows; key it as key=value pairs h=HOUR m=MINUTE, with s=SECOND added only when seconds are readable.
h=10 m=18 s=27
